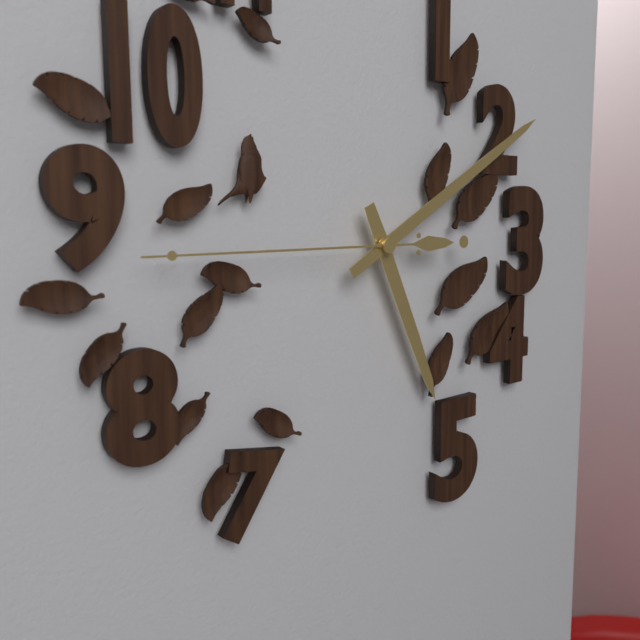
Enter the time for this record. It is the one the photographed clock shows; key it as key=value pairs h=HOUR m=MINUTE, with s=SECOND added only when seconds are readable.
h=5 m=10 s=45
